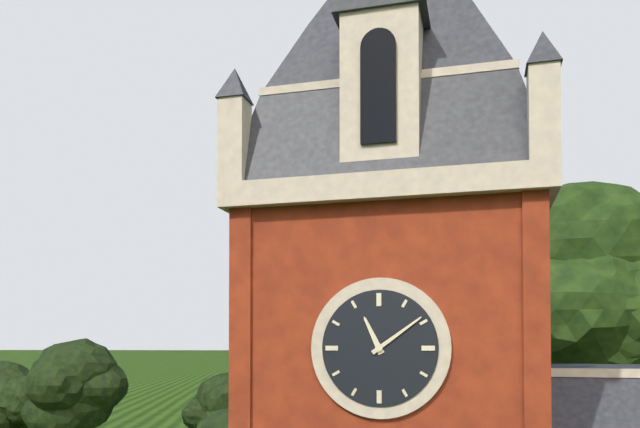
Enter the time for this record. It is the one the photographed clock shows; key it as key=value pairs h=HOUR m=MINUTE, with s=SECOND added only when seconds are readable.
h=11 m=9
